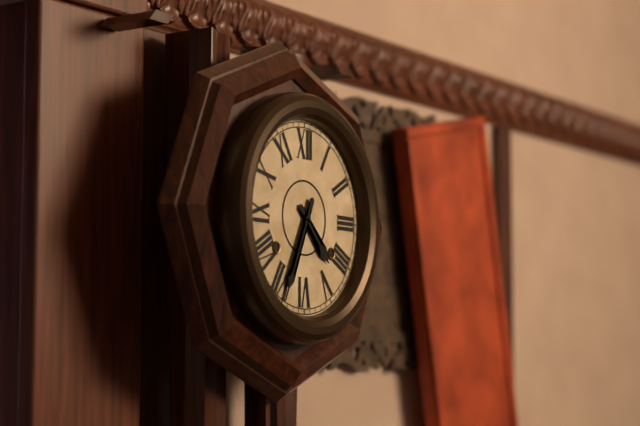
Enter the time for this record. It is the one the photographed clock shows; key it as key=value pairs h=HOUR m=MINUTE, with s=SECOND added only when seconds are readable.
h=4 m=34
